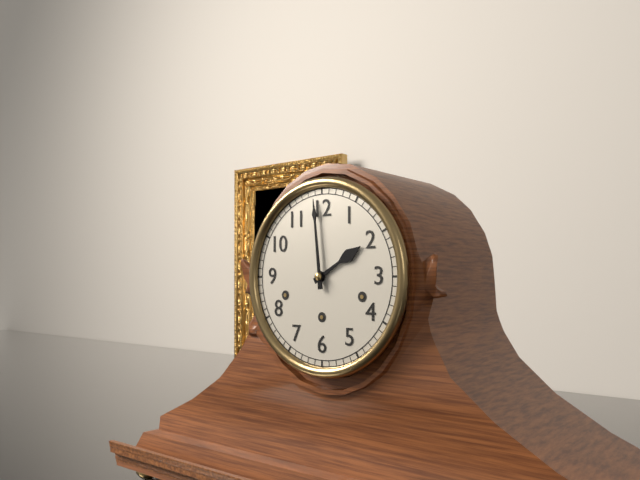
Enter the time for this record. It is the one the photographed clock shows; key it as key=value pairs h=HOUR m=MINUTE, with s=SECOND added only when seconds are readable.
h=1 m=59
